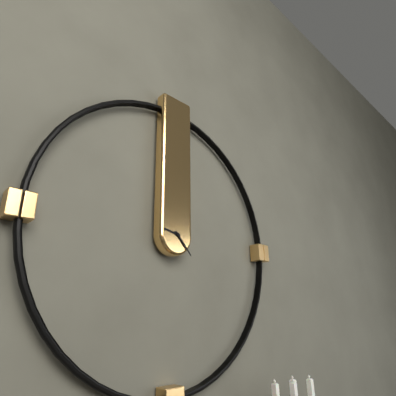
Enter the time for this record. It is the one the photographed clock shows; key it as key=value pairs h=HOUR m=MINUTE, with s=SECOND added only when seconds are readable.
h=9 m=23
